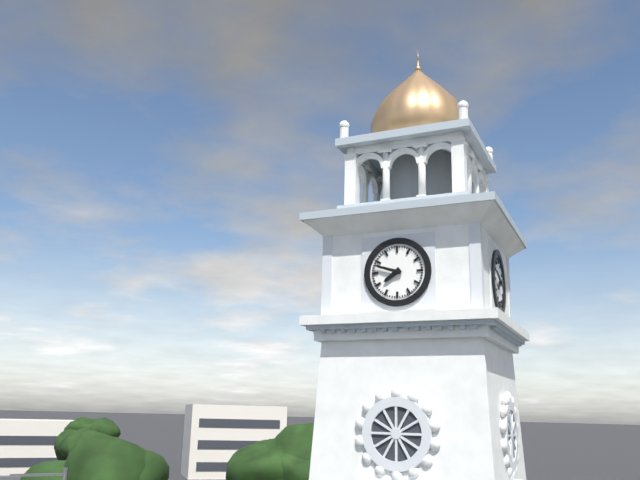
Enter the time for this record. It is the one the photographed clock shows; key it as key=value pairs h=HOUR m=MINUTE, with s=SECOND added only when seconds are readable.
h=7 m=48
